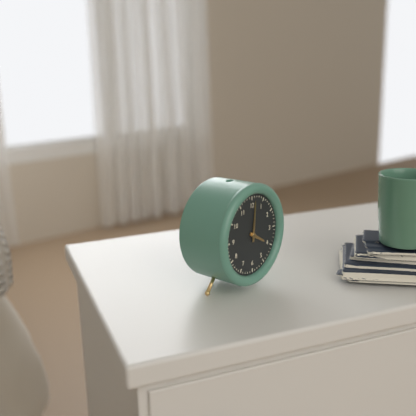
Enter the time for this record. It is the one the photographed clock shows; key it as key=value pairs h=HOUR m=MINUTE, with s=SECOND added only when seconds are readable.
h=4 m=1
